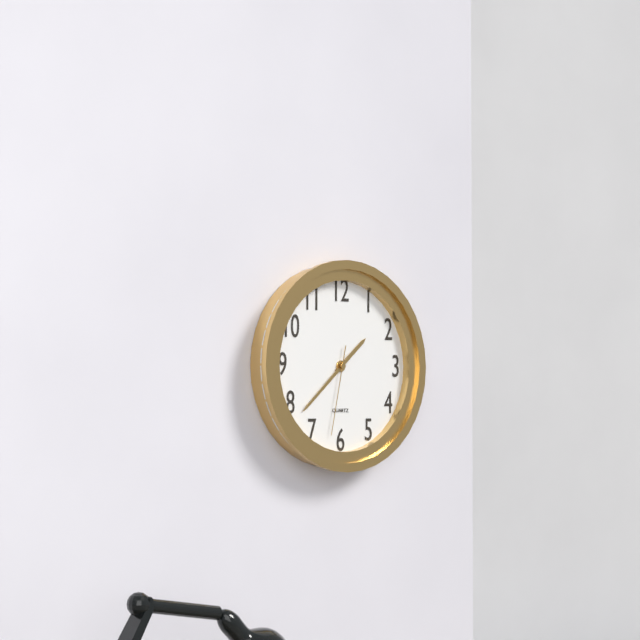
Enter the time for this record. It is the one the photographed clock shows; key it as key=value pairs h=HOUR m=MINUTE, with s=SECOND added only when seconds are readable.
h=1 m=38 s=32
